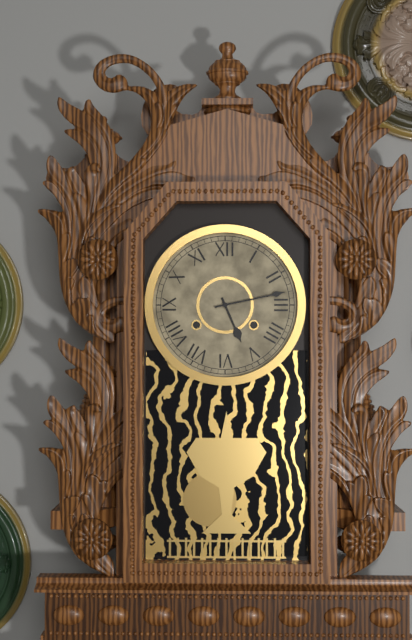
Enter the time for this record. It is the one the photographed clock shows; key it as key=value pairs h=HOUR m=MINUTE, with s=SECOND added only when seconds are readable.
h=5 m=13
